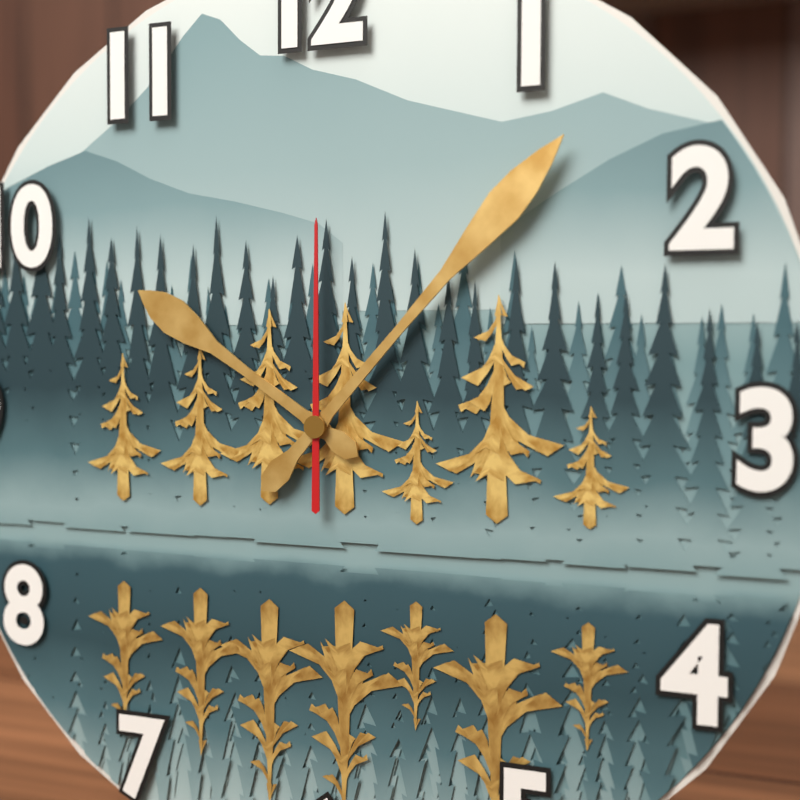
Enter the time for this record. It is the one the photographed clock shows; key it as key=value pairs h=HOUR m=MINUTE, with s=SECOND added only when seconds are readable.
h=10 m=7 s=0
